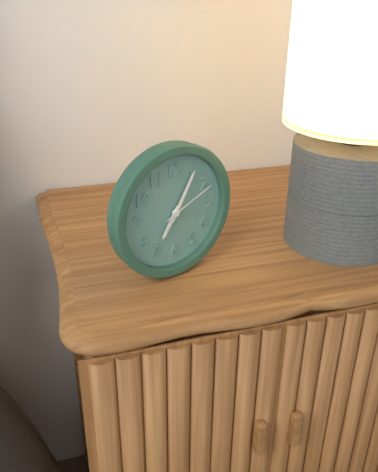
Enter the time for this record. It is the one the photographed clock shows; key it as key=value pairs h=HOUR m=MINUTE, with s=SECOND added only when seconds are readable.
h=7 m=5 s=11
